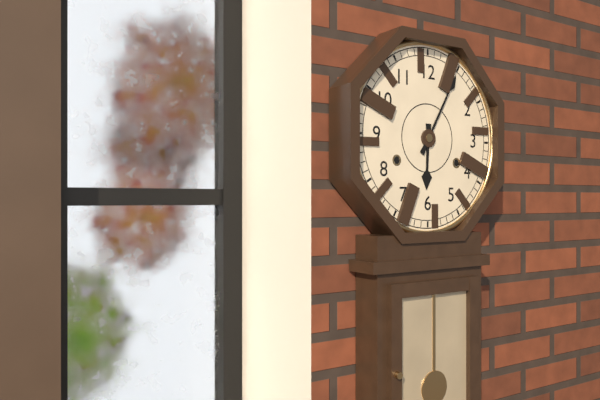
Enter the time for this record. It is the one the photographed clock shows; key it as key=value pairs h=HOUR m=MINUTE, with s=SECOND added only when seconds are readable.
h=6 m=5
